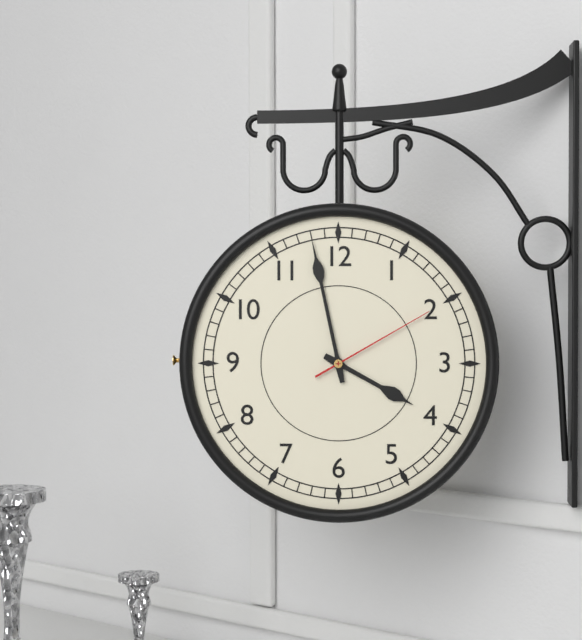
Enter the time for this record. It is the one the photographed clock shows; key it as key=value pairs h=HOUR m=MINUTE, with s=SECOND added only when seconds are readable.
h=3 m=58 s=10
